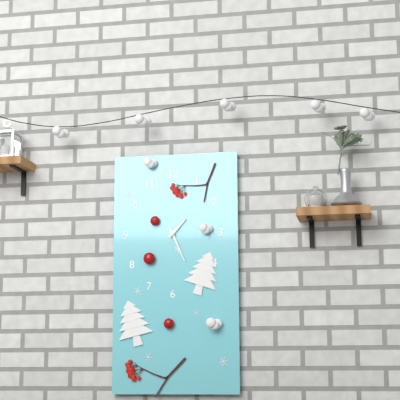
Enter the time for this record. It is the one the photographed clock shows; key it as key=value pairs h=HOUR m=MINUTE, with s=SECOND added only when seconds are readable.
h=1 m=26
